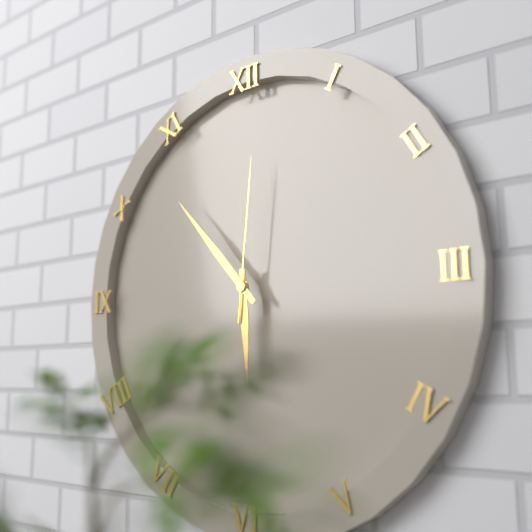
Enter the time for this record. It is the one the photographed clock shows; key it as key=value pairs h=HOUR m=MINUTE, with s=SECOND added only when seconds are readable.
h=5 m=53 s=1
